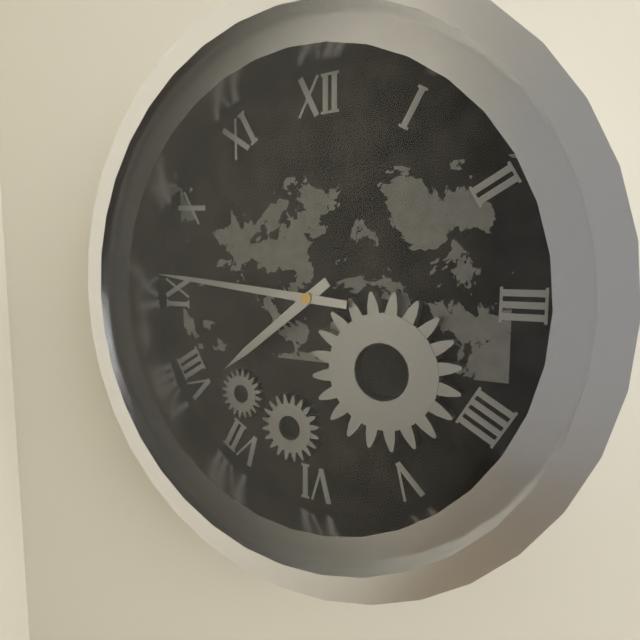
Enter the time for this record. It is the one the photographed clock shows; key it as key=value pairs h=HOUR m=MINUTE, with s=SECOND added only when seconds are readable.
h=7 m=46
